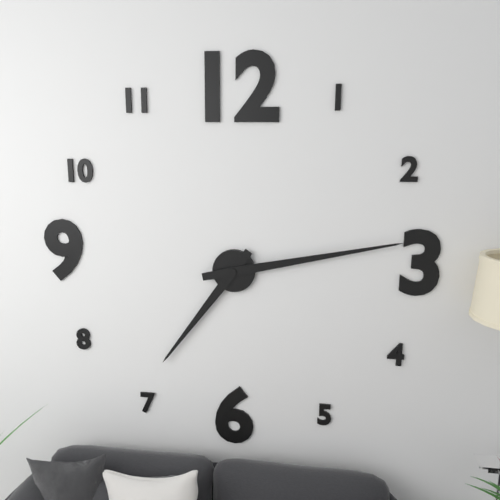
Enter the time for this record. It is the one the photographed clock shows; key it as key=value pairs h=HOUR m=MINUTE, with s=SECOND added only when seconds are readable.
h=7 m=13
